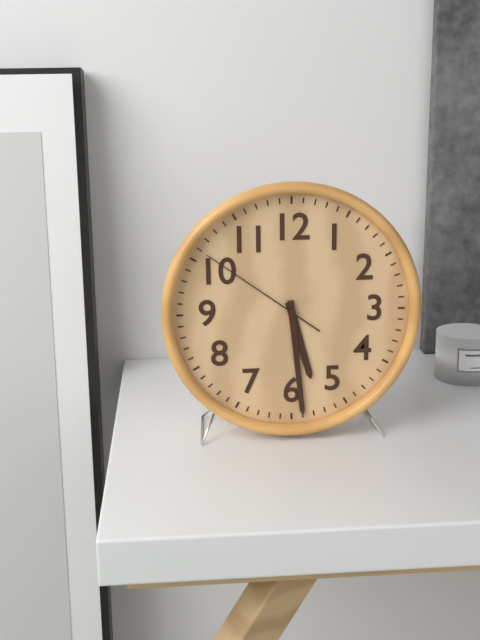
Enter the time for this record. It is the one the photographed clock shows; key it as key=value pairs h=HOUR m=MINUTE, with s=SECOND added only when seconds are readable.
h=5 m=29 s=51
